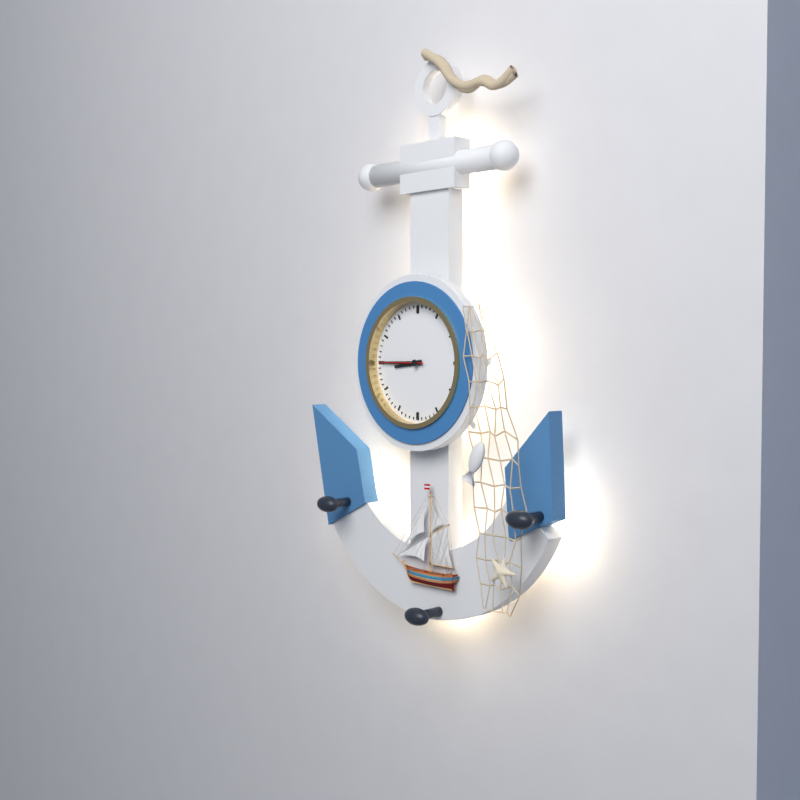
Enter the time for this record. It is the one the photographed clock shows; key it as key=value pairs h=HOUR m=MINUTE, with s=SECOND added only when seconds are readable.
h=8 m=45
